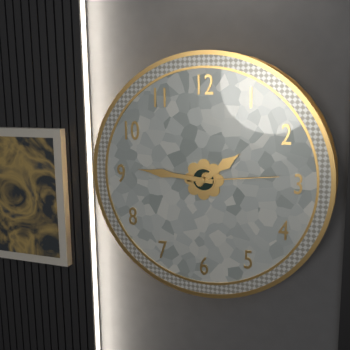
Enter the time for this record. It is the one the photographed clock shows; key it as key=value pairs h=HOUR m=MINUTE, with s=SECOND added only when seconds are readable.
h=1 m=46 s=14
